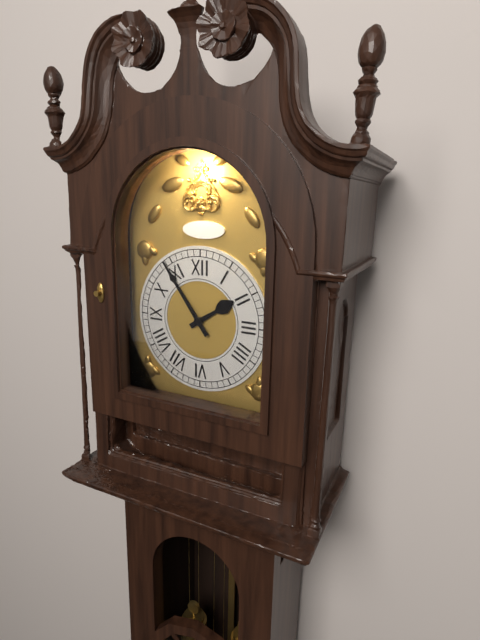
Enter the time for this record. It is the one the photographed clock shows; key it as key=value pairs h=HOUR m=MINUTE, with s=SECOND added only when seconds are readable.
h=1 m=54
